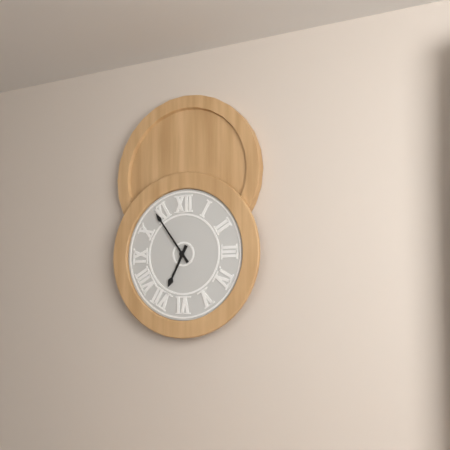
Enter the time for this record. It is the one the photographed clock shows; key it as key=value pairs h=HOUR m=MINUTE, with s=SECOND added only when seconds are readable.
h=6 m=54
